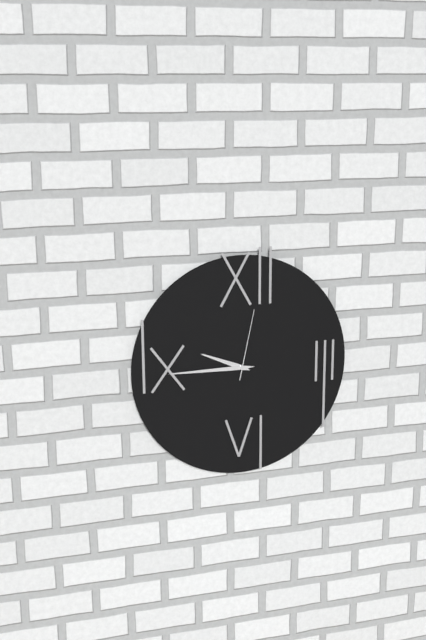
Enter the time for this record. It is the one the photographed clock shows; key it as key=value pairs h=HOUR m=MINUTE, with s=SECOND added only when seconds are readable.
h=9 m=45 s=2
